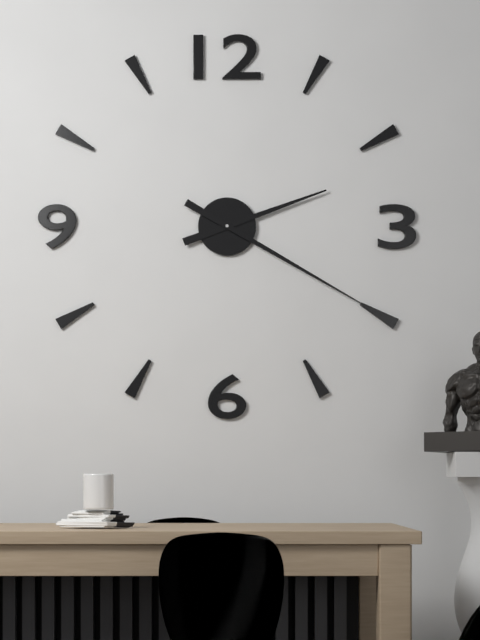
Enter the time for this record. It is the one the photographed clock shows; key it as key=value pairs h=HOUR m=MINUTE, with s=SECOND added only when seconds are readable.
h=2 m=20
